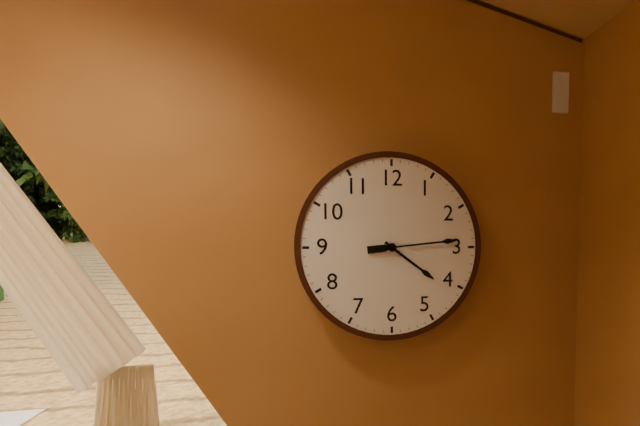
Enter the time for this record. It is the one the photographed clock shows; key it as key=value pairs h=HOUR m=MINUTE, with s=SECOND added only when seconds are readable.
h=4 m=14
